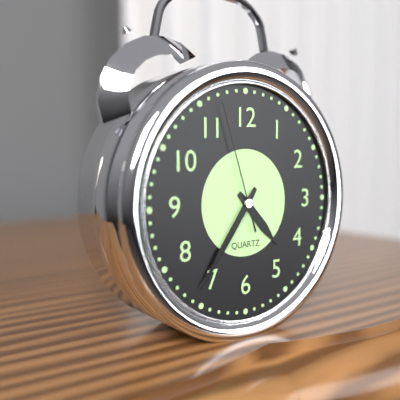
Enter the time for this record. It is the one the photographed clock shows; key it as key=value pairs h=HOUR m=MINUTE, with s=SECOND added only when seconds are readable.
h=4 m=36 s=57
